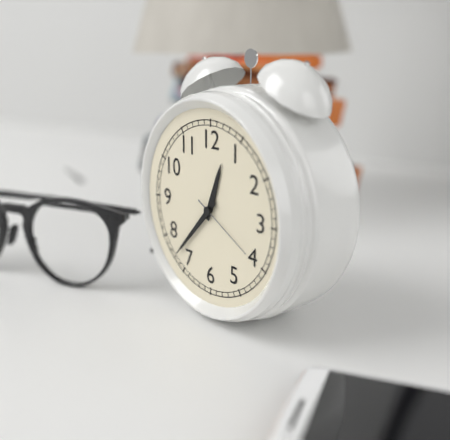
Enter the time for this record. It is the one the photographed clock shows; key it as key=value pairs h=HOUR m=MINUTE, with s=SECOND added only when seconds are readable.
h=12 m=37 s=20
